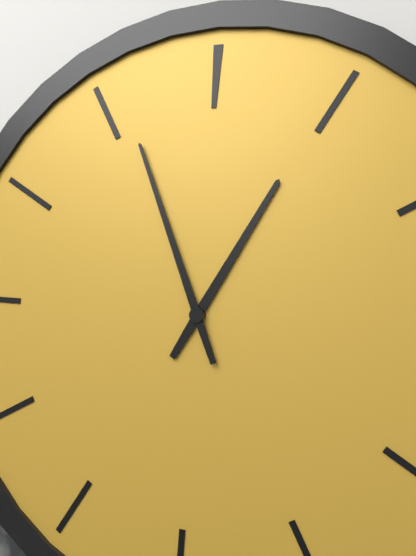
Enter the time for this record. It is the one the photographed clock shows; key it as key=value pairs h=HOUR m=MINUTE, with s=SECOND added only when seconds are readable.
h=12 m=56
